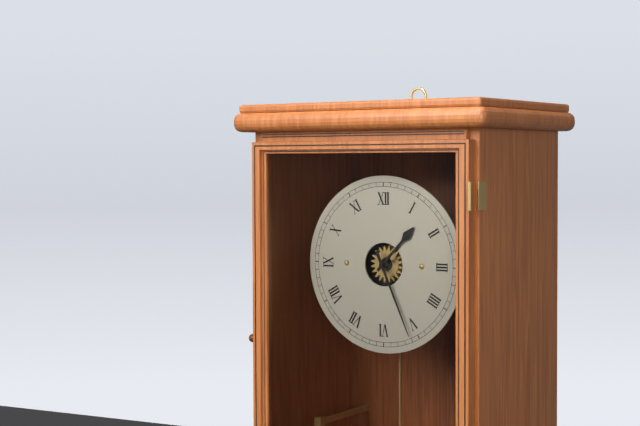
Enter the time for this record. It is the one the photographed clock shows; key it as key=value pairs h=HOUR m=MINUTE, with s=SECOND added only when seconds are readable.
h=1 m=26
